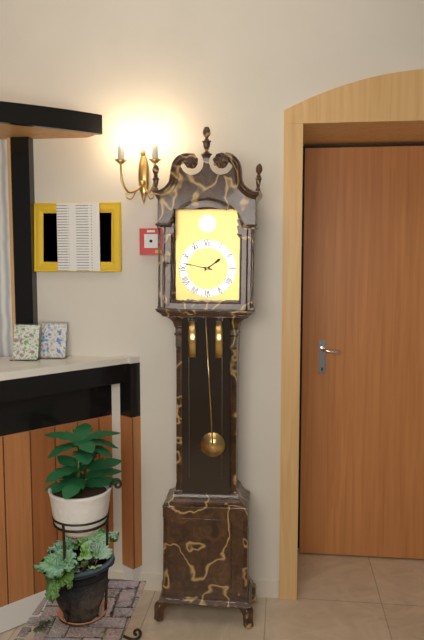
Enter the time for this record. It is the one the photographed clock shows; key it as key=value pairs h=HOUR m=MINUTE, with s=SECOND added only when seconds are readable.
h=1 m=47
